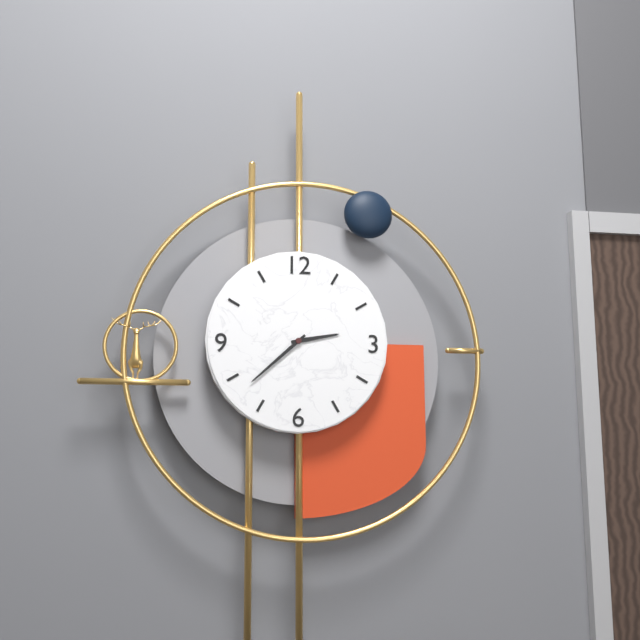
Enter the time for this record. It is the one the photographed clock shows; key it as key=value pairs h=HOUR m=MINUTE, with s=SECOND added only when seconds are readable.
h=2 m=38
